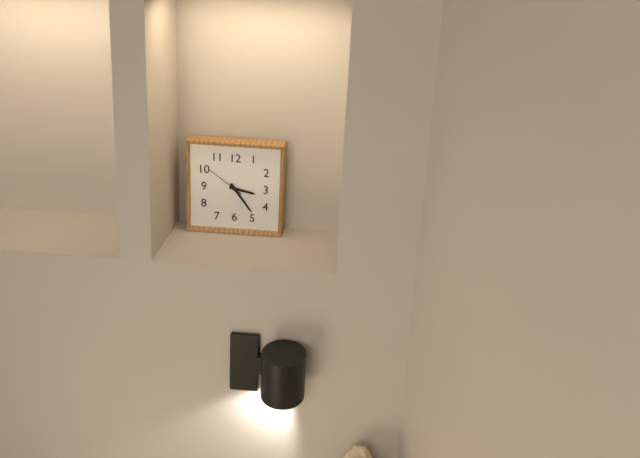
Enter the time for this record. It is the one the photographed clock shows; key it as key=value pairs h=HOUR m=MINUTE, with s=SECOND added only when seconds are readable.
h=3 m=24
